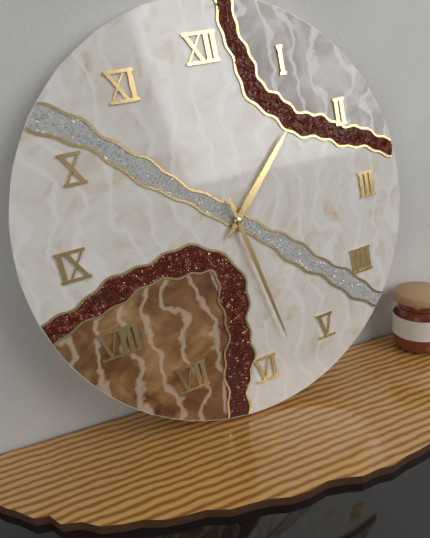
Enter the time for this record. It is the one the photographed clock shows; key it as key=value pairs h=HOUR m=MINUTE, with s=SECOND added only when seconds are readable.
h=1 m=28
